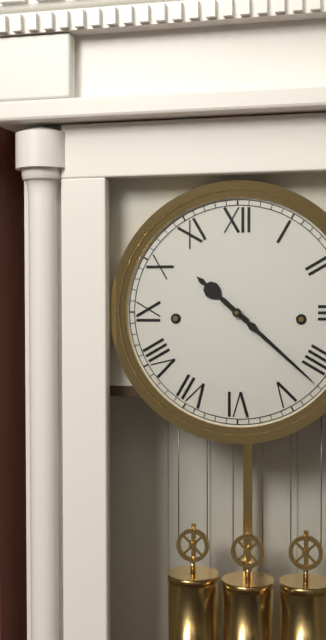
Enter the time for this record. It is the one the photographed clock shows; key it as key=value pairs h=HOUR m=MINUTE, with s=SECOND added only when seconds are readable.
h=10 m=22
